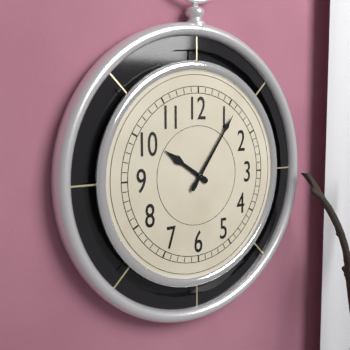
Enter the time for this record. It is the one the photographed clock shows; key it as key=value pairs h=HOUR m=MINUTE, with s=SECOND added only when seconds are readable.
h=10 m=6
